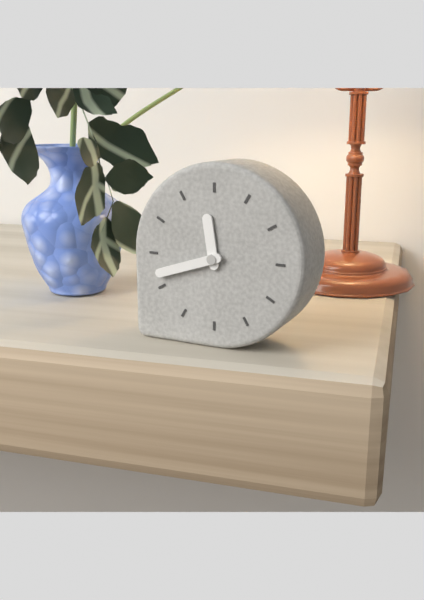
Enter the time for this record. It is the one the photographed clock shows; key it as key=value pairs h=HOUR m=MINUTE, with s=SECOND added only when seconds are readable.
h=11 m=42
